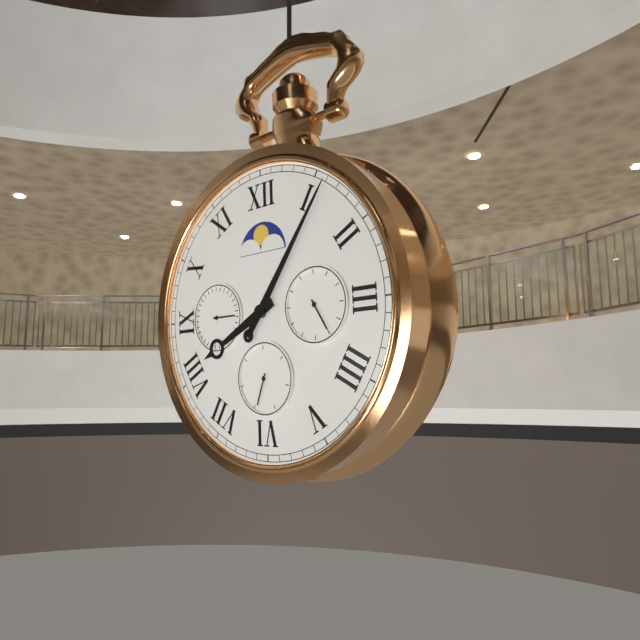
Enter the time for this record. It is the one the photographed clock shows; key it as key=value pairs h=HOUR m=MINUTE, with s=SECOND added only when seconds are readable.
h=8 m=6
